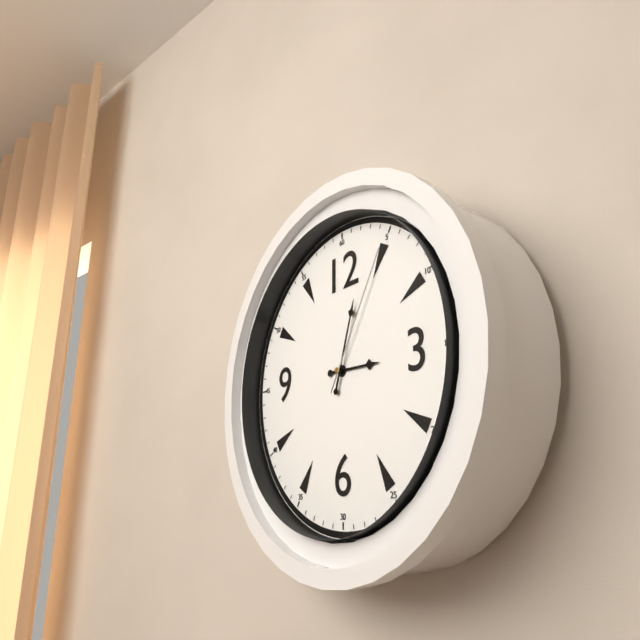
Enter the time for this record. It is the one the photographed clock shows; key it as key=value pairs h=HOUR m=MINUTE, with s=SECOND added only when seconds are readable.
h=3 m=3 s=5
